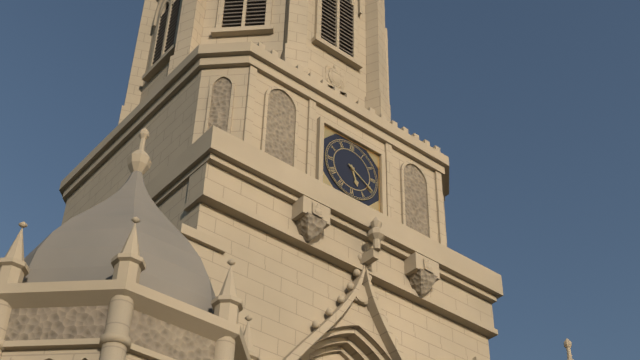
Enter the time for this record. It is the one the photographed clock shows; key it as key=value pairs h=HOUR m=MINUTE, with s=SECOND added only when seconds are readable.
h=5 m=20
